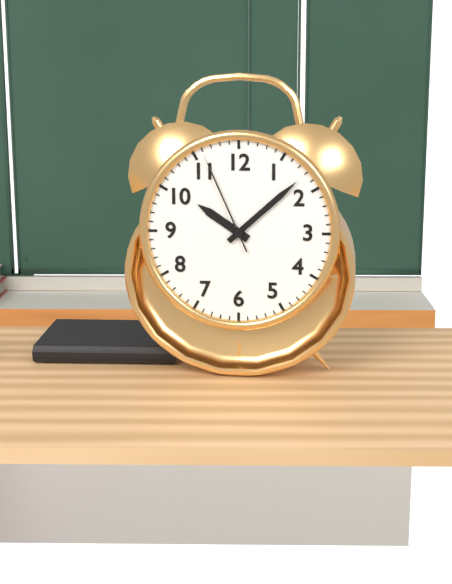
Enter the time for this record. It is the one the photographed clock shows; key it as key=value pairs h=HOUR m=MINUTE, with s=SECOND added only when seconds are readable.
h=10 m=8 s=56
